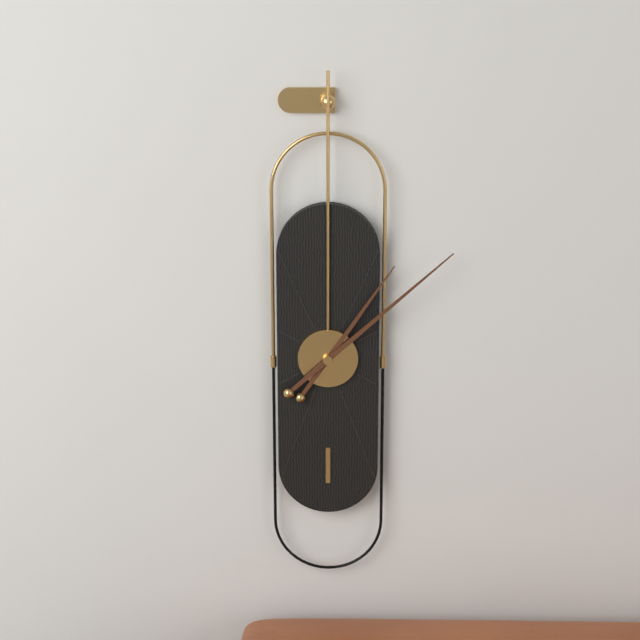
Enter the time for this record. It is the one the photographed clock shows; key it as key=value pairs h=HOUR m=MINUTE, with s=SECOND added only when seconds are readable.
h=1 m=8
